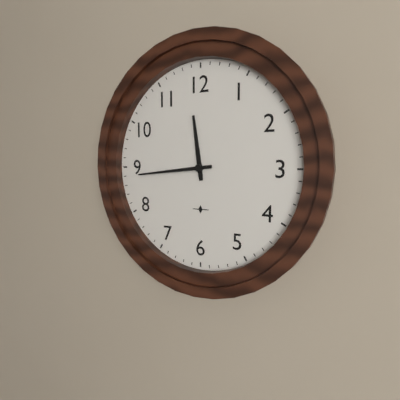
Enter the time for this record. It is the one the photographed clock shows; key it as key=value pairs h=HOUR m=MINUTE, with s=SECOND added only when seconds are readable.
h=11 m=44
